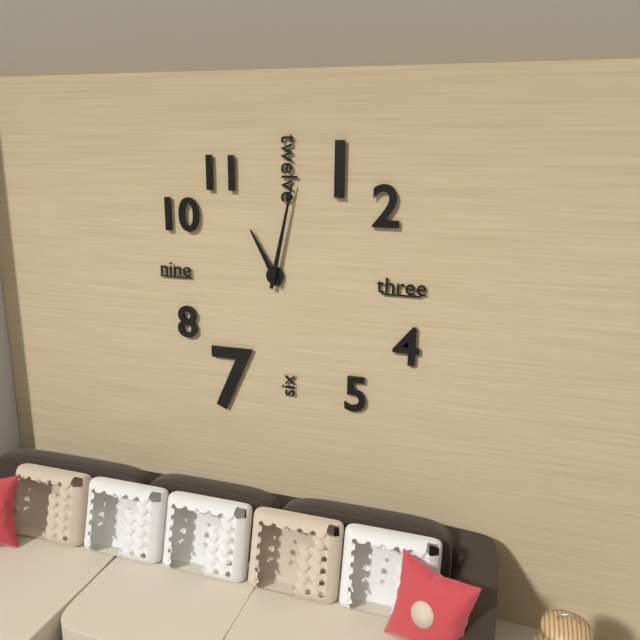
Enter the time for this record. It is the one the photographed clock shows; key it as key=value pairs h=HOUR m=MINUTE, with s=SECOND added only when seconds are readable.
h=11 m=2
